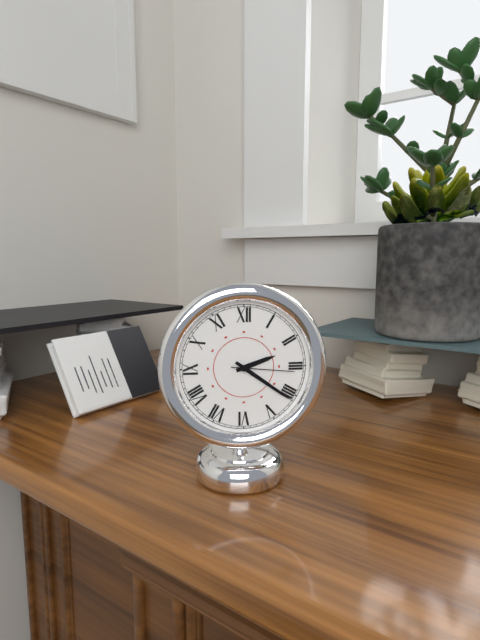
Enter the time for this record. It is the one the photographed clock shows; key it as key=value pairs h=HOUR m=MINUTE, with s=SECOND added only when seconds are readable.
h=2 m=21 s=16
